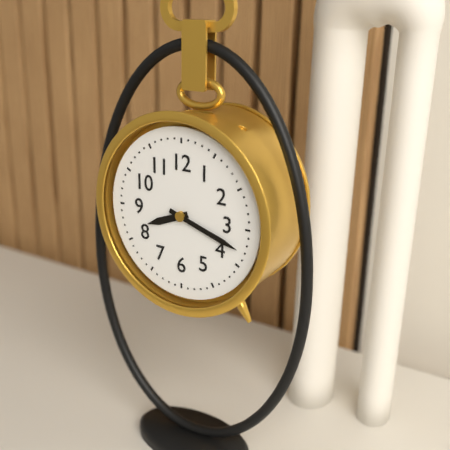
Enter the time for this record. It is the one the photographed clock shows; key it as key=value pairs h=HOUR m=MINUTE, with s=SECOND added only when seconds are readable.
h=8 m=18
